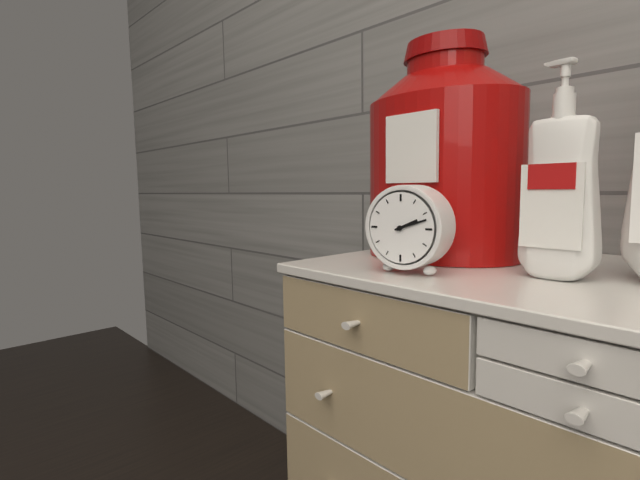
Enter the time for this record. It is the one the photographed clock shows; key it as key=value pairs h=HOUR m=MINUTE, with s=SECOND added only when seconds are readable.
h=2 m=12
